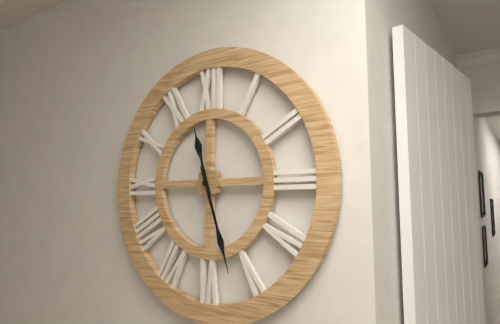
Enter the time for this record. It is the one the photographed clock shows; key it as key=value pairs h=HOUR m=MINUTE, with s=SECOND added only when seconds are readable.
h=11 m=27
